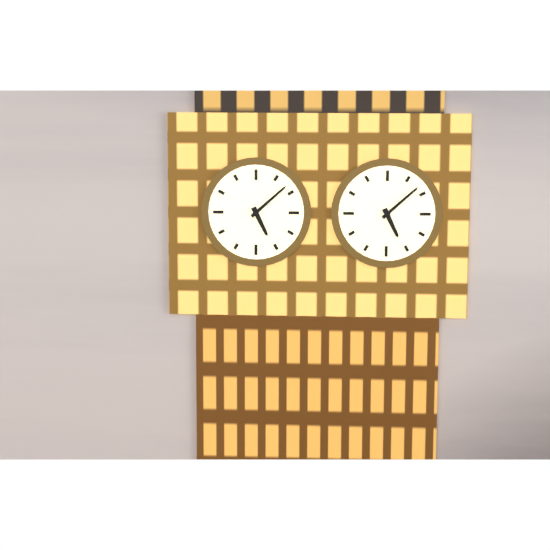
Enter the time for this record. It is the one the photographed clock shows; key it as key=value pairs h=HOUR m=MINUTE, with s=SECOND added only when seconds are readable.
h=5 m=8
